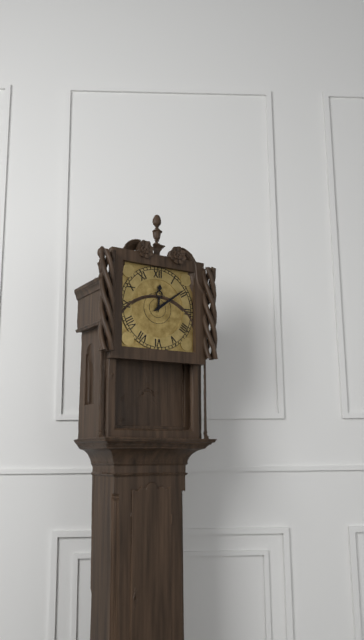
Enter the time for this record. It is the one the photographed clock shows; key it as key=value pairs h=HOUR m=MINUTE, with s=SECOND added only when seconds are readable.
h=12 m=9
